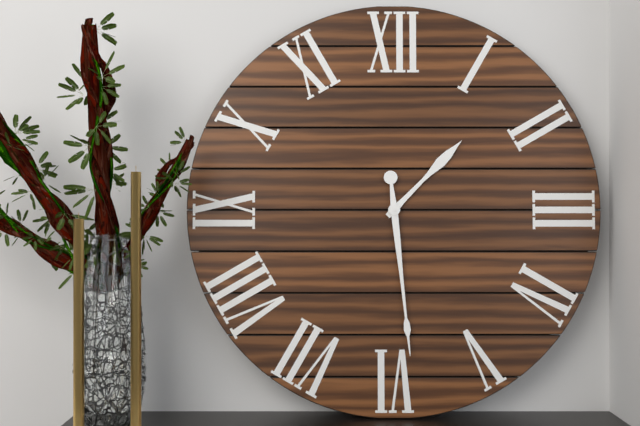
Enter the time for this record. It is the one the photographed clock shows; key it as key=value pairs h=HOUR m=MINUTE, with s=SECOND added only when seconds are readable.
h=1 m=29
